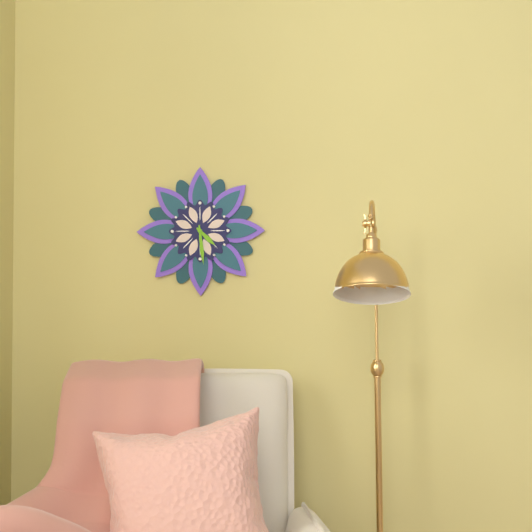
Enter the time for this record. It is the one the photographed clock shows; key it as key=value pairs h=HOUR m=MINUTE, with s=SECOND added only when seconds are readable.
h=4 m=29
